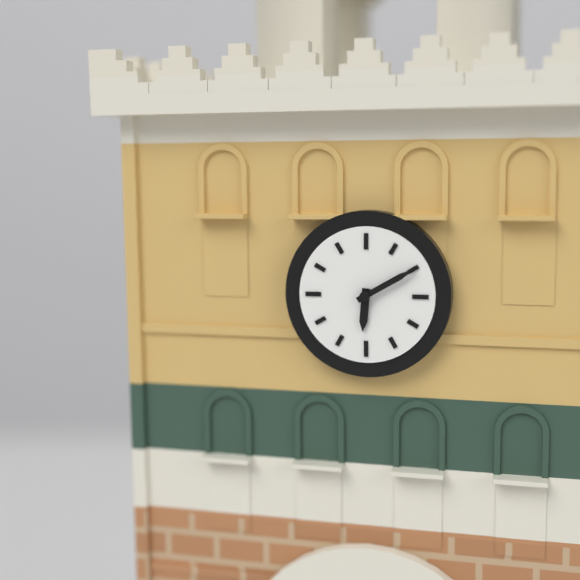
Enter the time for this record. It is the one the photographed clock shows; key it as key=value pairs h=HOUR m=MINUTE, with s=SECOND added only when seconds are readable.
h=6 m=10
